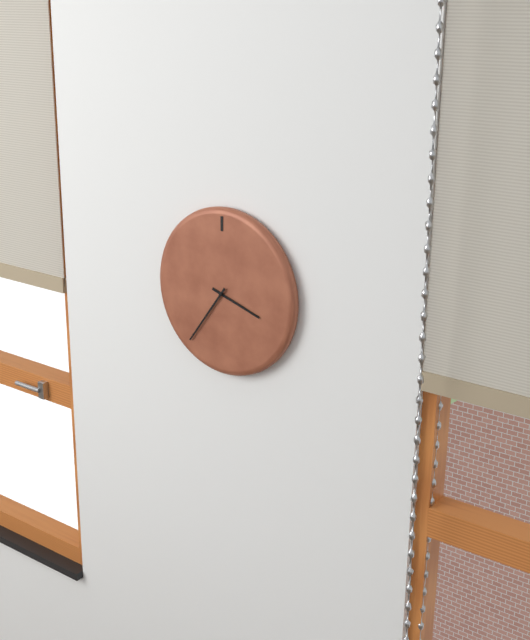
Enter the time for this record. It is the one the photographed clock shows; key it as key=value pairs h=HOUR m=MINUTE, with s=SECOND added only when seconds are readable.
h=3 m=36
